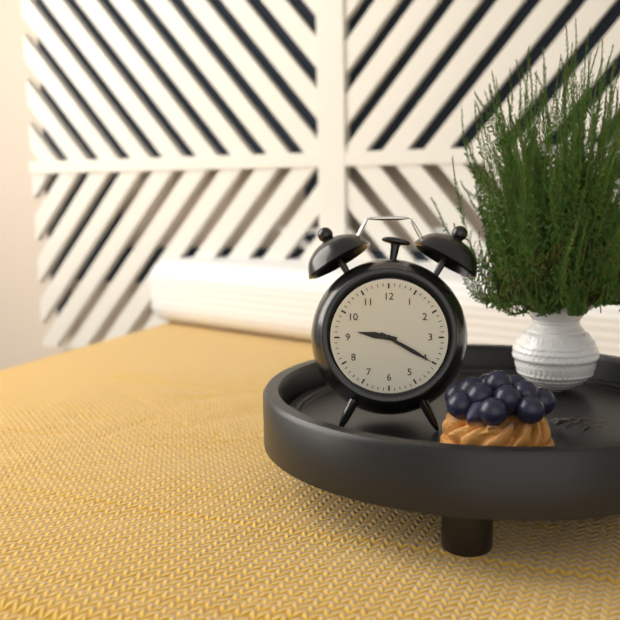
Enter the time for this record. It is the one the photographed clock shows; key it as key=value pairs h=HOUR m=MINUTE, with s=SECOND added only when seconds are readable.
h=9 m=20
